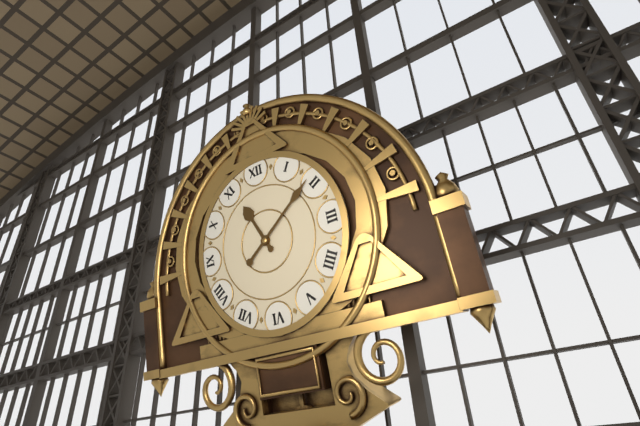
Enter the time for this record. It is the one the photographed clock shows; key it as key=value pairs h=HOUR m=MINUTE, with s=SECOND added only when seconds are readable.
h=11 m=9
